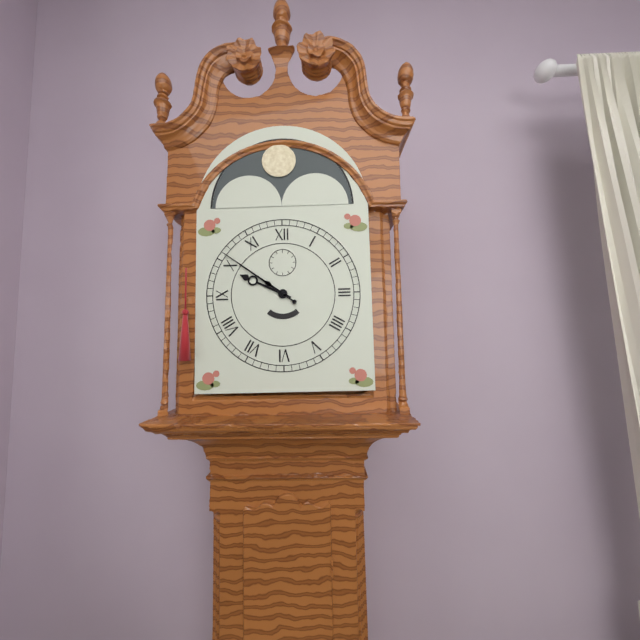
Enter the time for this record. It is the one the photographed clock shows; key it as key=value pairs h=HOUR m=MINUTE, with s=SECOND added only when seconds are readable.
h=9 m=51
